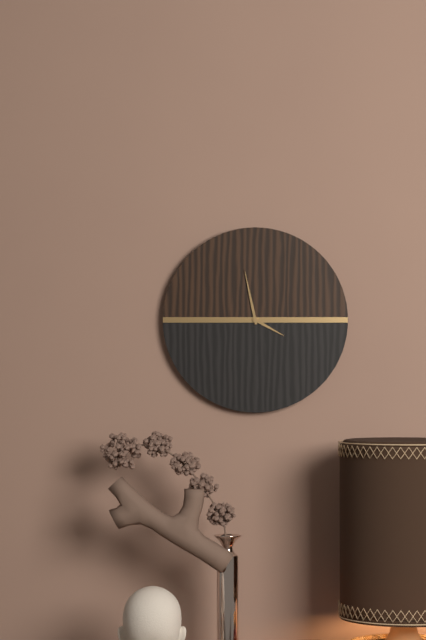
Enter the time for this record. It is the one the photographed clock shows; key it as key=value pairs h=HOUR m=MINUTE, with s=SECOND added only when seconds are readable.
h=3 m=58
